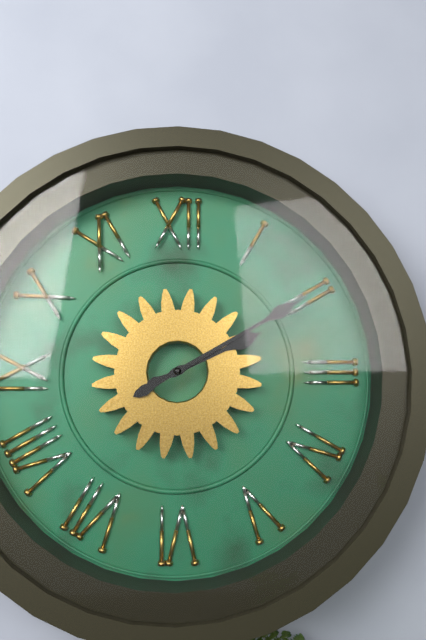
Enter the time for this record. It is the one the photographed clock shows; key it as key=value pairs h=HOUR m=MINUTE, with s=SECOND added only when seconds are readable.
h=2 m=10
